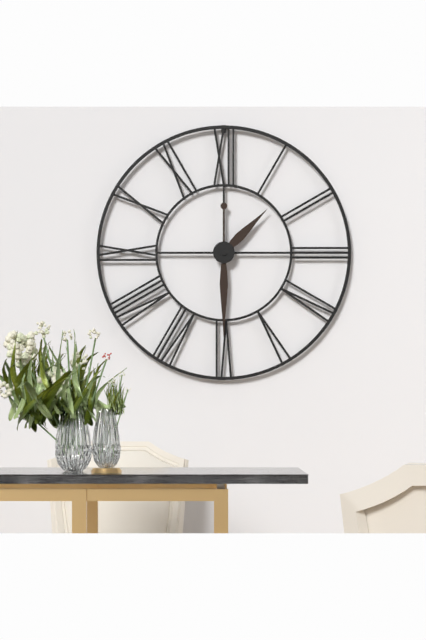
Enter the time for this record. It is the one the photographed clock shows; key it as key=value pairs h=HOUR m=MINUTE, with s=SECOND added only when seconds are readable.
h=1 m=30
